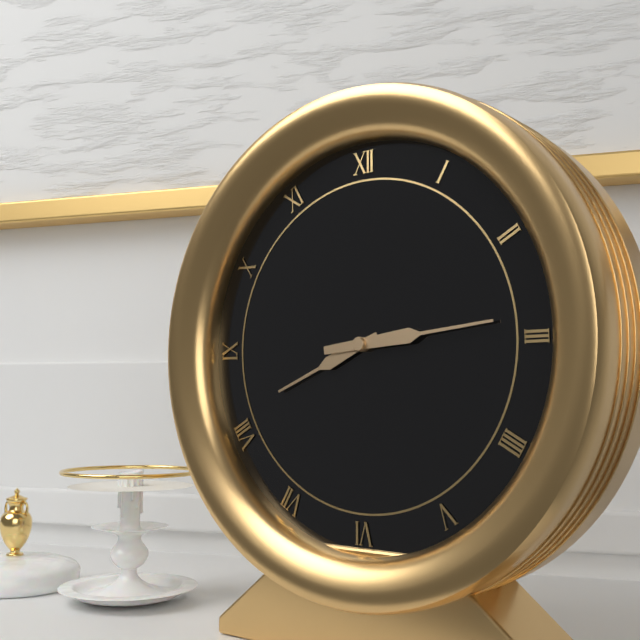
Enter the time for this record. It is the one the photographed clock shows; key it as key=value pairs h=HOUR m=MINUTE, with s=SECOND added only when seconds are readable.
h=8 m=14
